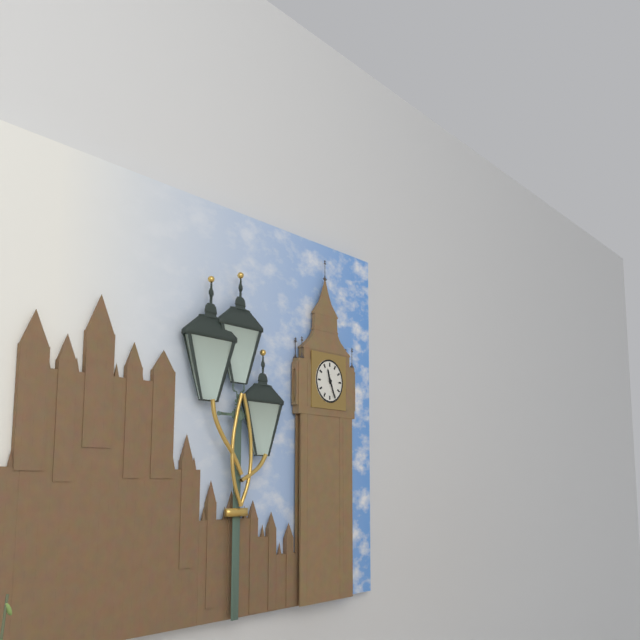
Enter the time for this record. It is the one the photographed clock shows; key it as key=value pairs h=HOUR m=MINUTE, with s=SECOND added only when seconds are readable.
h=11 m=26
